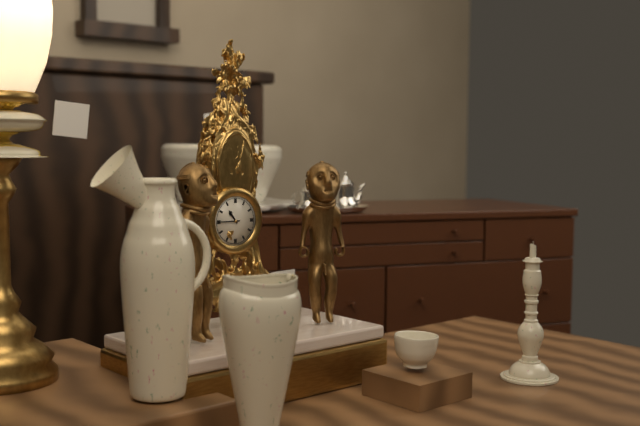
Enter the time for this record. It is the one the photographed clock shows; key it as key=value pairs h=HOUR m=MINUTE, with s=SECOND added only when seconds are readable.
h=10 m=45
